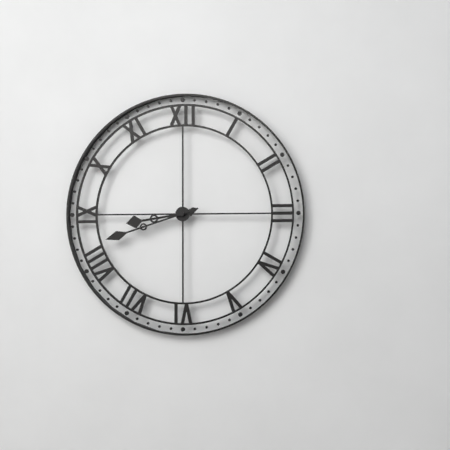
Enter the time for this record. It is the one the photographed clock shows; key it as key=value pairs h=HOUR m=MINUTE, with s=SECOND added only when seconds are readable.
h=8 m=42
